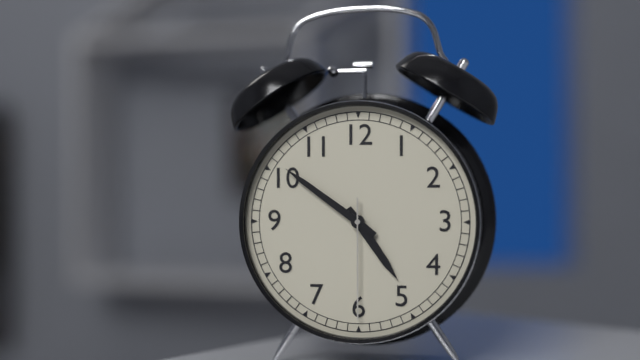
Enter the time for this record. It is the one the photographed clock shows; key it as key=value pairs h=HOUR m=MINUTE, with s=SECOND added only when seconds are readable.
h=4 m=51 s=30
